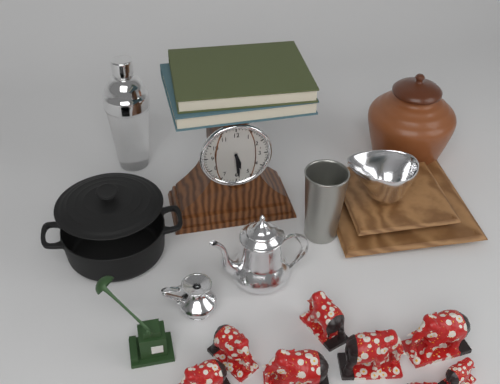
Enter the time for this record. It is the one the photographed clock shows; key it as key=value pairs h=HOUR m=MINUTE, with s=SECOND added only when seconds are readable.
h=5 m=29
